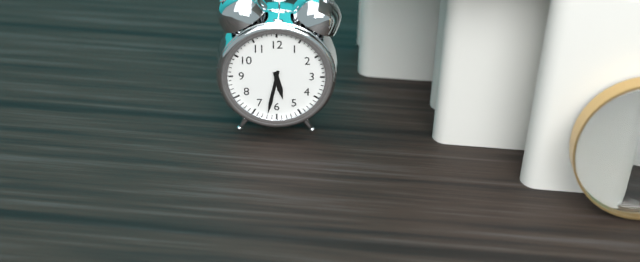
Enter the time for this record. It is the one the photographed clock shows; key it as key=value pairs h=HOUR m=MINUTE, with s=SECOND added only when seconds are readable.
h=5 m=32
